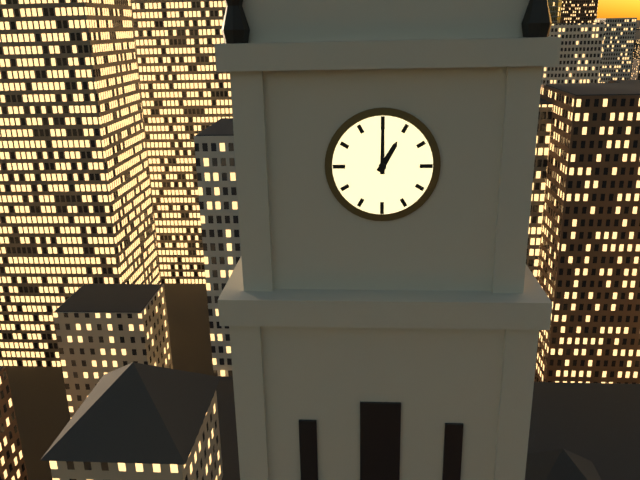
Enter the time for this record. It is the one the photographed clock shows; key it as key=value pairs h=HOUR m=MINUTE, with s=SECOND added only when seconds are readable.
h=1 m=0
